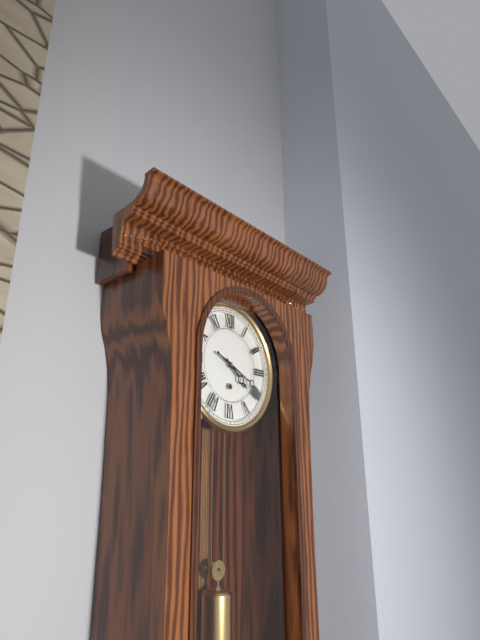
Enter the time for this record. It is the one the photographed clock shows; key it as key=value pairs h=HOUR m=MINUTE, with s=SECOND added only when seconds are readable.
h=4 m=19
